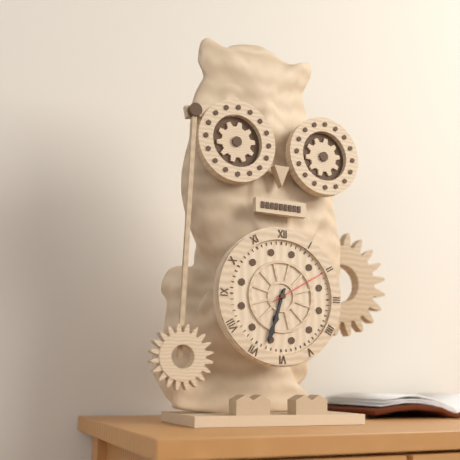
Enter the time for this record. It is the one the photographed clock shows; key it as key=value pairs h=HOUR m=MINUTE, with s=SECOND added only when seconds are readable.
h=6 m=33 s=10
